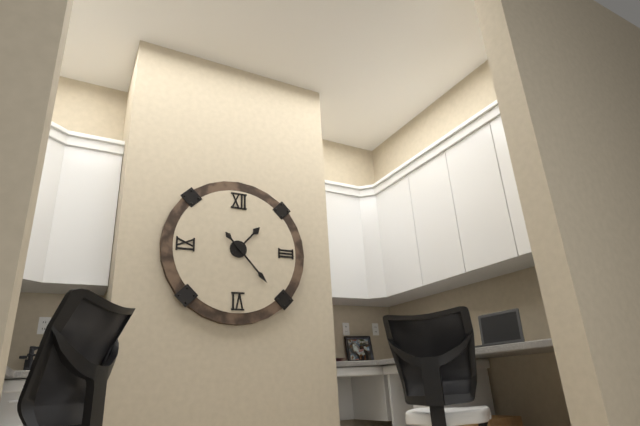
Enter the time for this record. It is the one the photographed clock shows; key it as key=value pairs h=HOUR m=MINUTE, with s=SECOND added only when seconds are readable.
h=1 m=23
